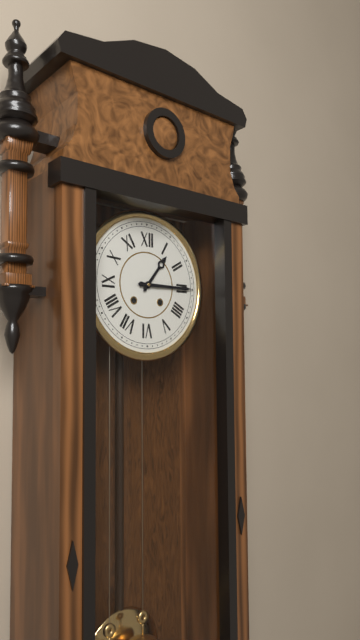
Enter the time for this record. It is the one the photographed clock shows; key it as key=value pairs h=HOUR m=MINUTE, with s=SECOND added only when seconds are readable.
h=1 m=15
